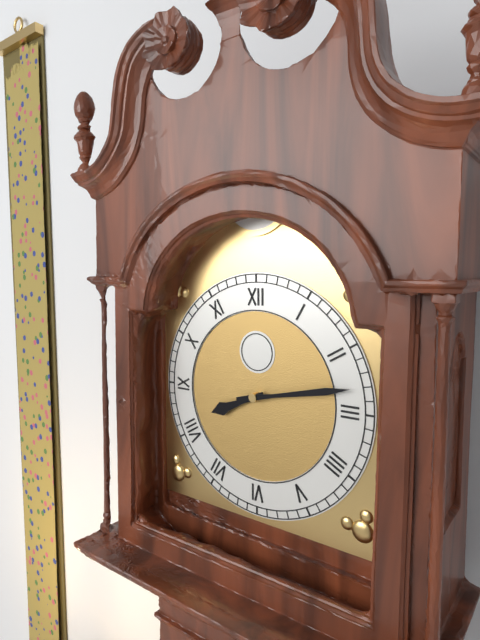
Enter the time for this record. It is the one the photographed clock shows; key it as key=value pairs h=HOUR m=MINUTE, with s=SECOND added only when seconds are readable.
h=8 m=13
